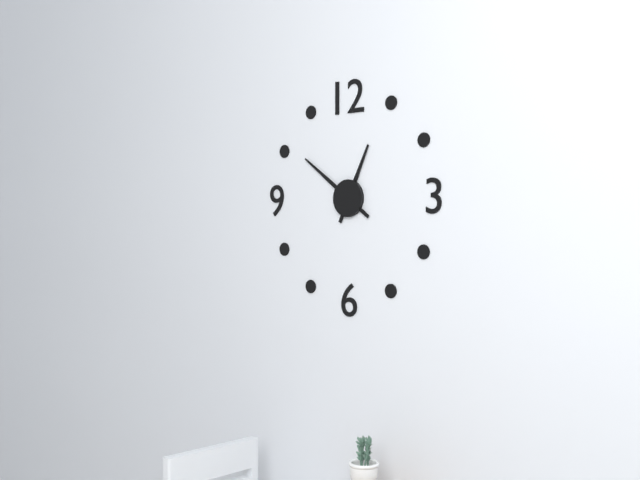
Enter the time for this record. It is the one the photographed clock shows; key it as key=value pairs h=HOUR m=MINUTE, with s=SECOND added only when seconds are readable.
h=12 m=51
